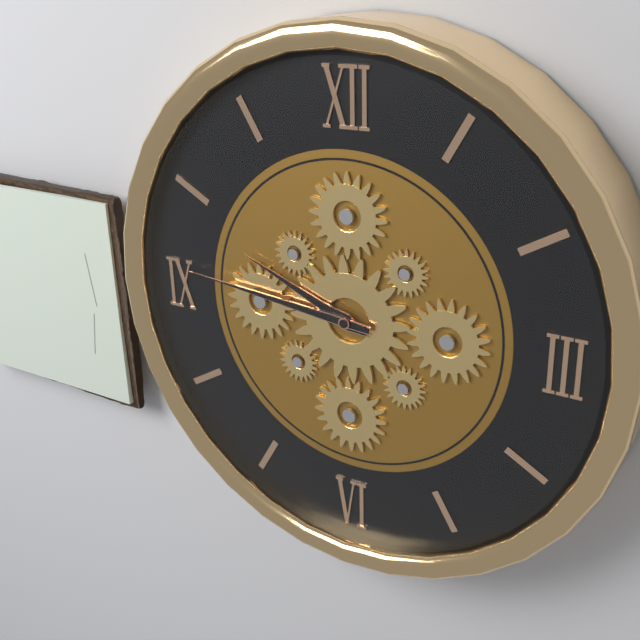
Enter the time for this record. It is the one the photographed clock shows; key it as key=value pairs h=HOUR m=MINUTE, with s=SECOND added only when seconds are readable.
h=9 m=46
